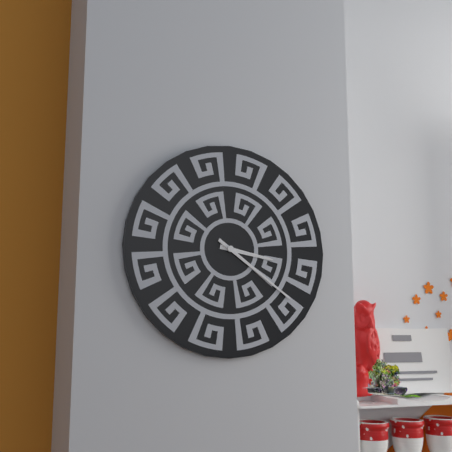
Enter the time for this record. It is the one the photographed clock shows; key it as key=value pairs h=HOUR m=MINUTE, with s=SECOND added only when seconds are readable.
h=3 m=21
